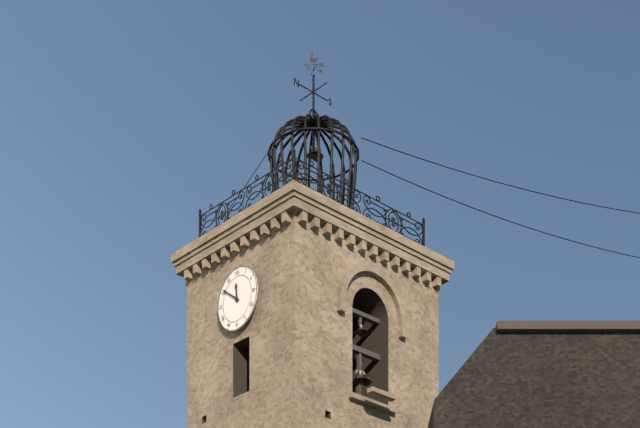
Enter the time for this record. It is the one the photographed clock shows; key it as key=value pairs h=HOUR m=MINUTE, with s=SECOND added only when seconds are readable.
h=11 m=51
